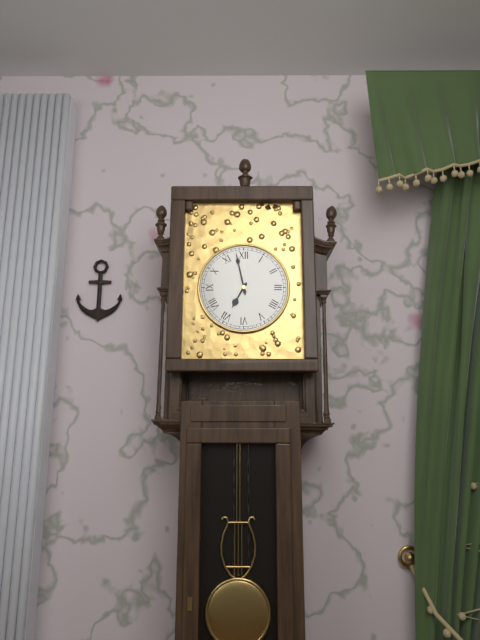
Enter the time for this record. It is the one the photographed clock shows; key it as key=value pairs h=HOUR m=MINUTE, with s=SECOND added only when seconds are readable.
h=6 m=58
